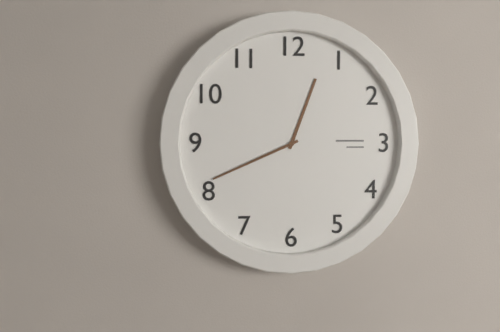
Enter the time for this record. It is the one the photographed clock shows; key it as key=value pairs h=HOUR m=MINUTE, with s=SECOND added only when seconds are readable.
h=12 m=41
